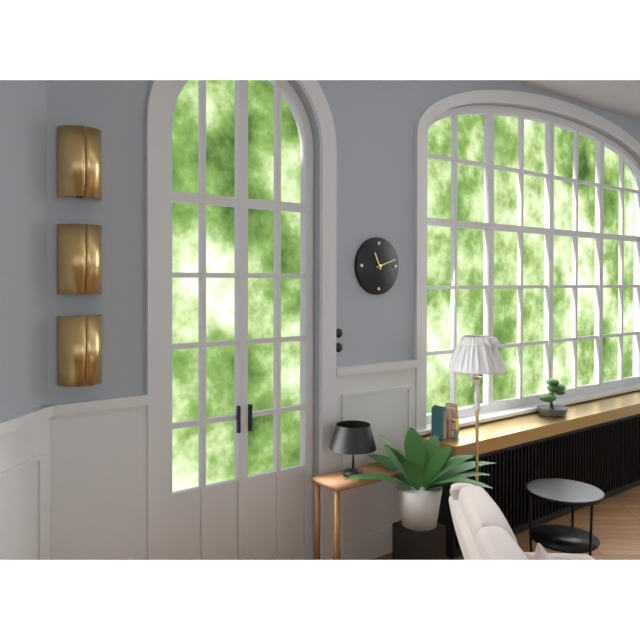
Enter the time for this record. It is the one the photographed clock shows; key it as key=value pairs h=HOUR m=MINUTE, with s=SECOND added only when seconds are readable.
h=11 m=12
